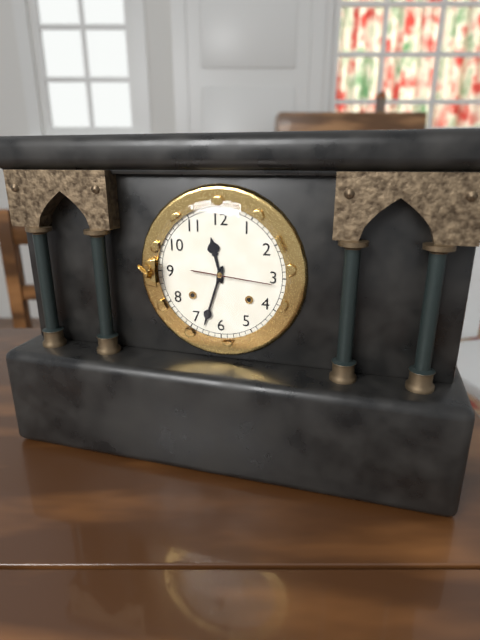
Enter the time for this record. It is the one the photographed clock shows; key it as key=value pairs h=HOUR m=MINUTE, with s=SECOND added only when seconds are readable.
h=11 m=33 s=16
